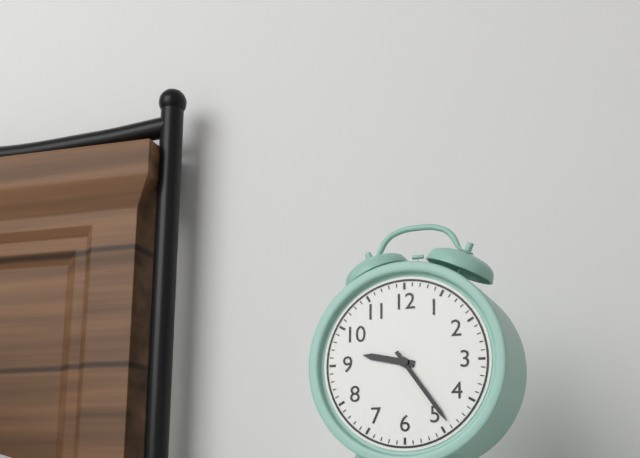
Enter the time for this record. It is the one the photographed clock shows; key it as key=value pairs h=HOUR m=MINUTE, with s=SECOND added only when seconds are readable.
h=9 m=24
